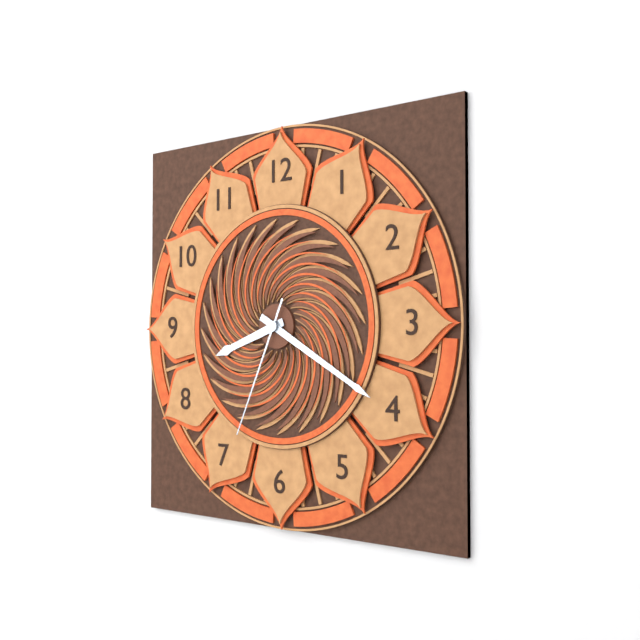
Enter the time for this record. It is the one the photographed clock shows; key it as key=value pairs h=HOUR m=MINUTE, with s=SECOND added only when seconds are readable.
h=8 m=20 s=34
